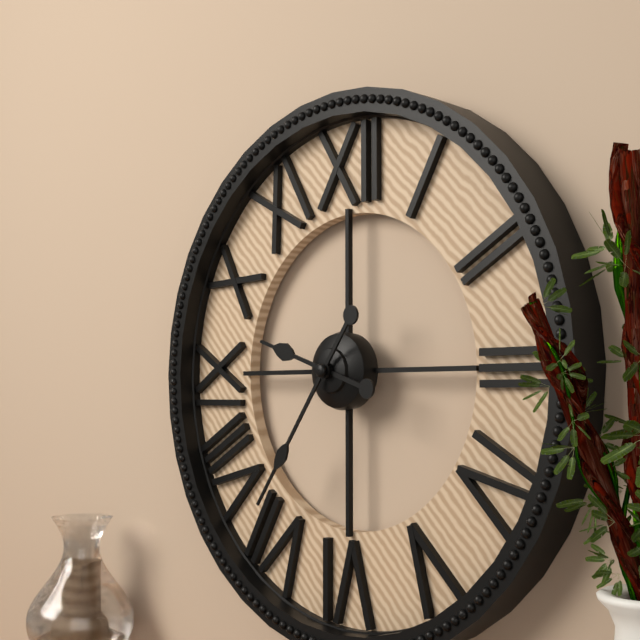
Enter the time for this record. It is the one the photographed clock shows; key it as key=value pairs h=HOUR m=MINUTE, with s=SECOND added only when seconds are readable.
h=9 m=36
